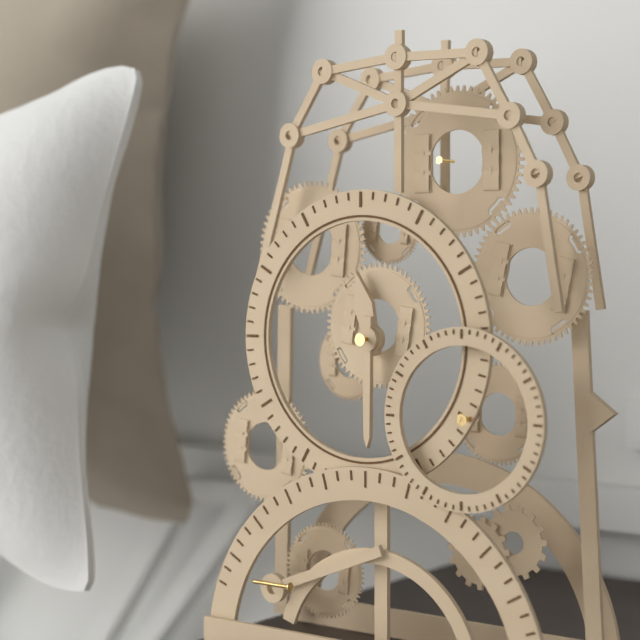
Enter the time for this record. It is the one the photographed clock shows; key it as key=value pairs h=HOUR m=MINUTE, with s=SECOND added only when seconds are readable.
h=11 m=30
